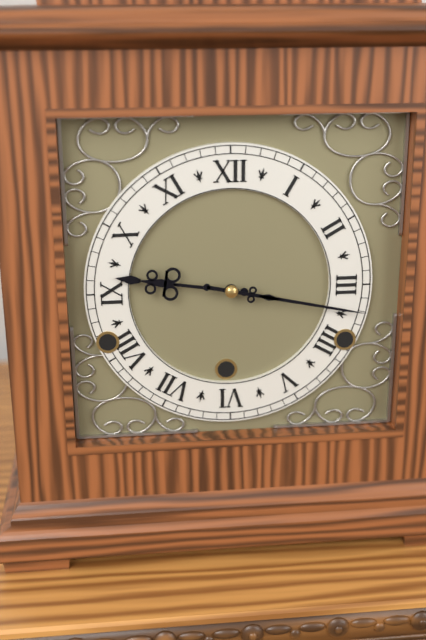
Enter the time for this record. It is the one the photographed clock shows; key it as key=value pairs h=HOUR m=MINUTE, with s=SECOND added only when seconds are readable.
h=9 m=17
